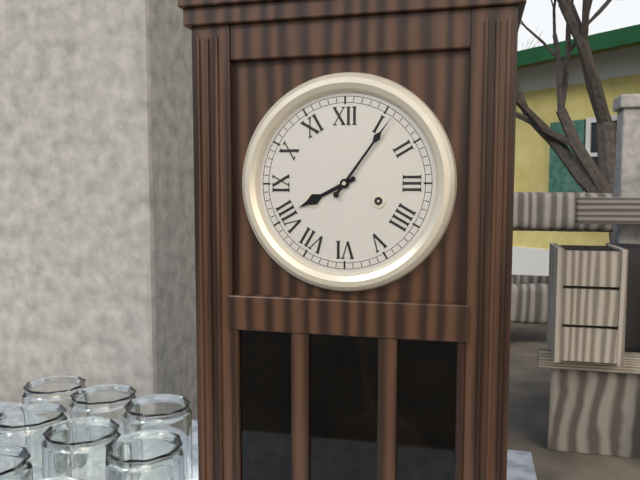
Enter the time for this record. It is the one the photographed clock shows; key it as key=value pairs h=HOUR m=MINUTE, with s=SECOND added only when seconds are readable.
h=8 m=6
